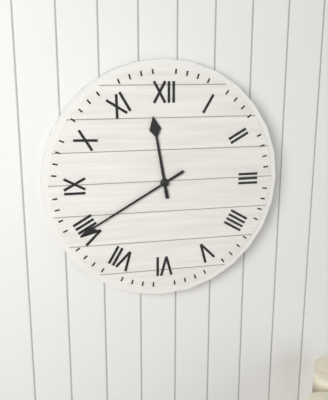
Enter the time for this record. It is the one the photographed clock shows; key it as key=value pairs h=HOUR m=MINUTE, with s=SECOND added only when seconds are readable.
h=11 m=40
